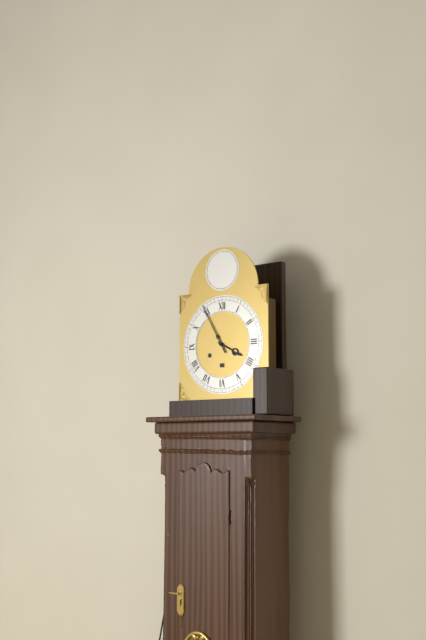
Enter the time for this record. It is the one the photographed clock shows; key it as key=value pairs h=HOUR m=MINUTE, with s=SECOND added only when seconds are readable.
h=3 m=55
